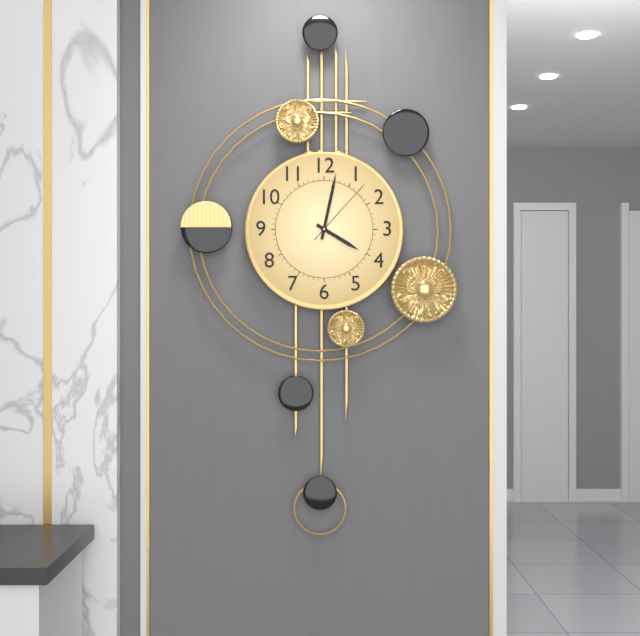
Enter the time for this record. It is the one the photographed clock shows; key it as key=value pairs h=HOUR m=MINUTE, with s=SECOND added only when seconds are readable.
h=4 m=2 s=7
